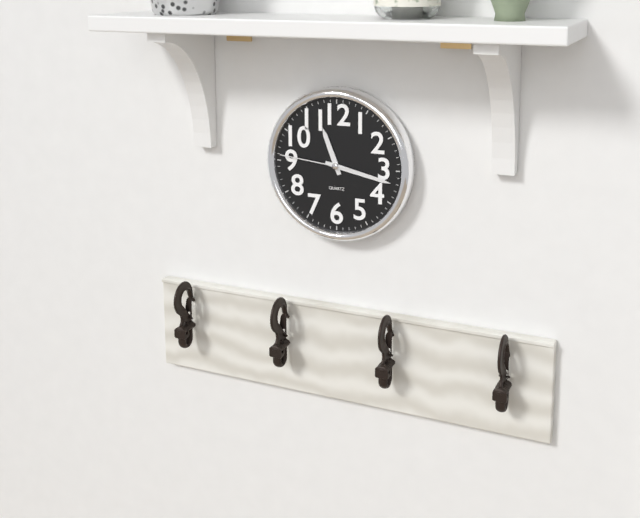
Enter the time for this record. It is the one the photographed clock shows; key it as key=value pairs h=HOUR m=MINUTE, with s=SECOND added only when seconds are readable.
h=11 m=17 s=46
